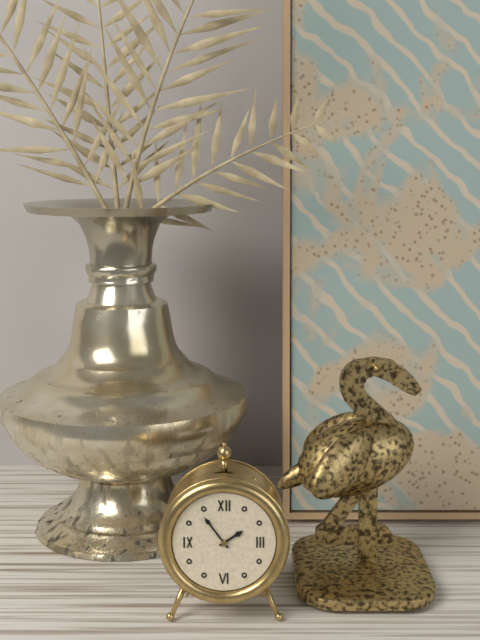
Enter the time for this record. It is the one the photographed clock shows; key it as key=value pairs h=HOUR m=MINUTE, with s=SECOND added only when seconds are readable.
h=1 m=54
